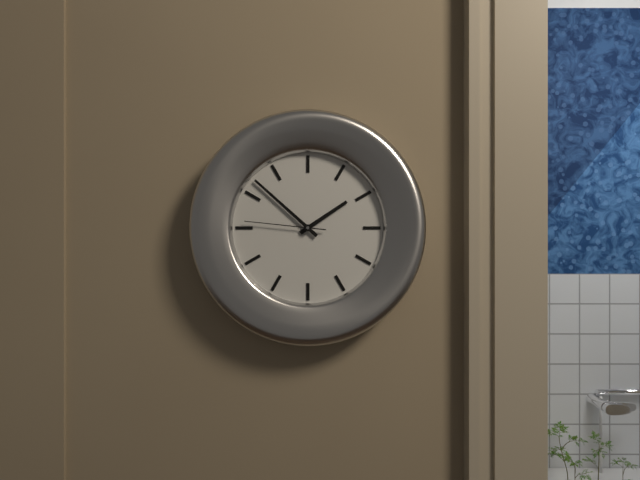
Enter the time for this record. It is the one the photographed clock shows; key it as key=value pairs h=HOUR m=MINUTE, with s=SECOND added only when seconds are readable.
h=1 m=52 s=46
